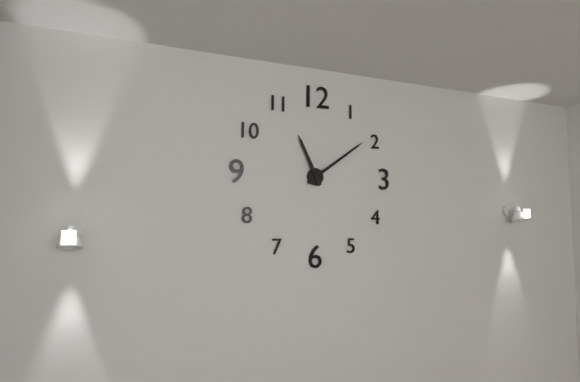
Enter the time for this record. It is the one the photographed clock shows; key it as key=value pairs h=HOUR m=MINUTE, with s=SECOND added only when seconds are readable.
h=11 m=9
